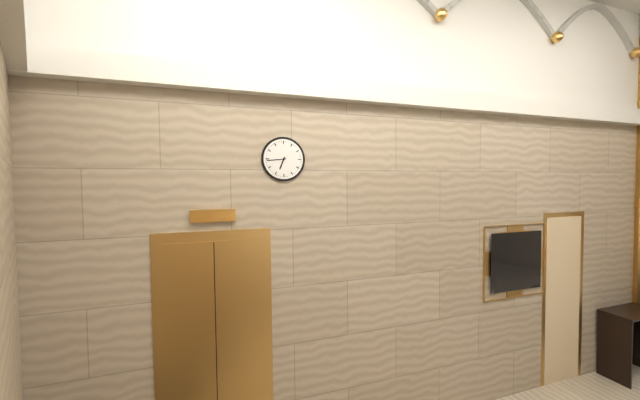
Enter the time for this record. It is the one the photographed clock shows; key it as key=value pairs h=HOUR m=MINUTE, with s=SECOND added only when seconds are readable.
h=6 m=44
